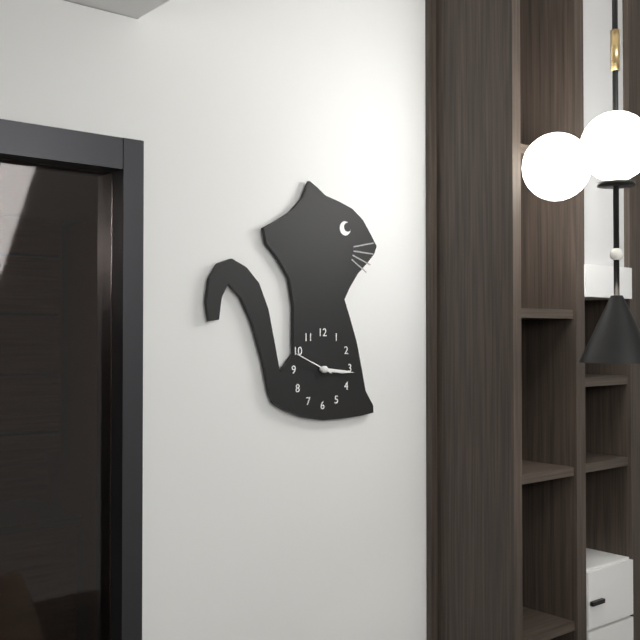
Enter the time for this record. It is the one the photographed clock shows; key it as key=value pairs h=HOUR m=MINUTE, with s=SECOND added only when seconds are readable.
h=3 m=16
